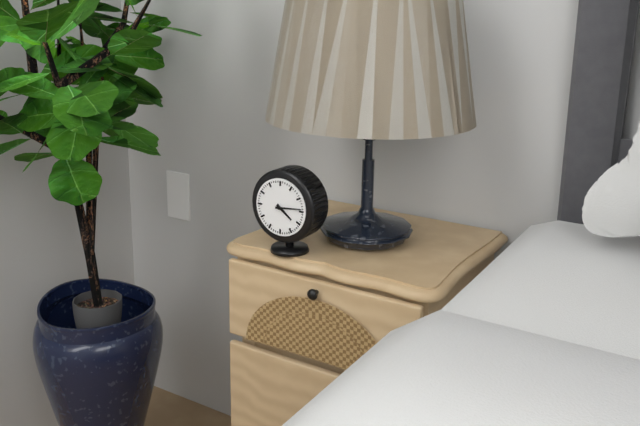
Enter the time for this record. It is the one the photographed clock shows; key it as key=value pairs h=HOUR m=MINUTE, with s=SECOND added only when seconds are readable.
h=4 m=14
